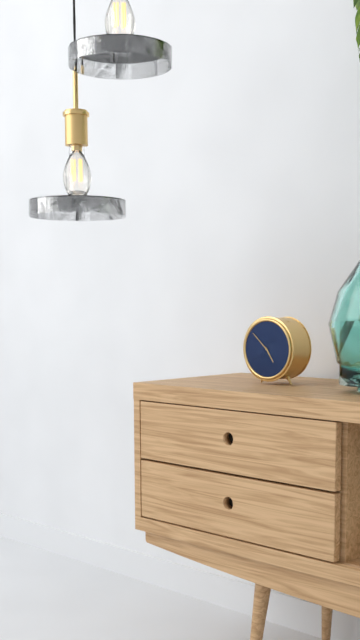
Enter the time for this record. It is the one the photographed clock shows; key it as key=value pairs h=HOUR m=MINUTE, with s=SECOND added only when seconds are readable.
h=4 m=52
